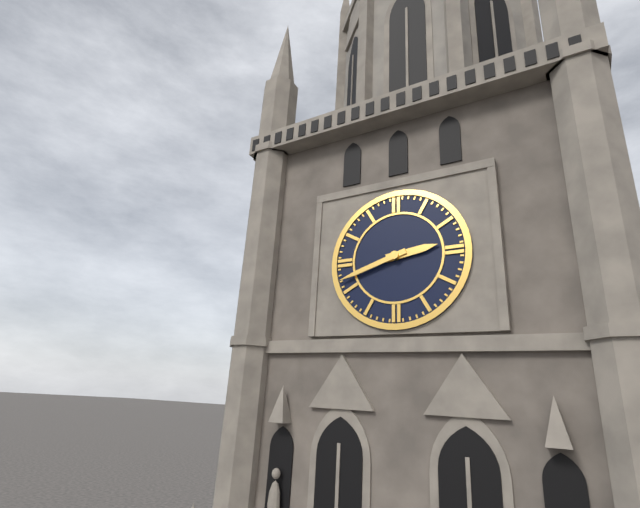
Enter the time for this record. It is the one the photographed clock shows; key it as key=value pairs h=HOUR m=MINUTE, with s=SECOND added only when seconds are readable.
h=2 m=42
